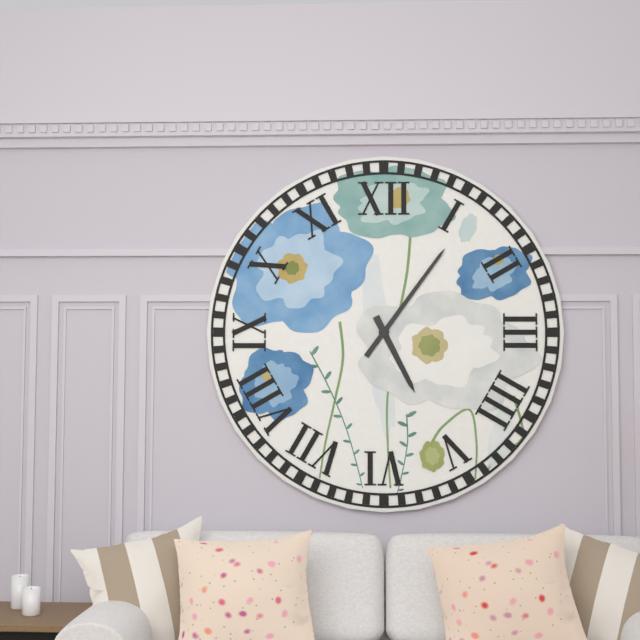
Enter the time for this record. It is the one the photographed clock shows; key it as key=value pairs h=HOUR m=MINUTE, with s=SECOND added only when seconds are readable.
h=5 m=6
